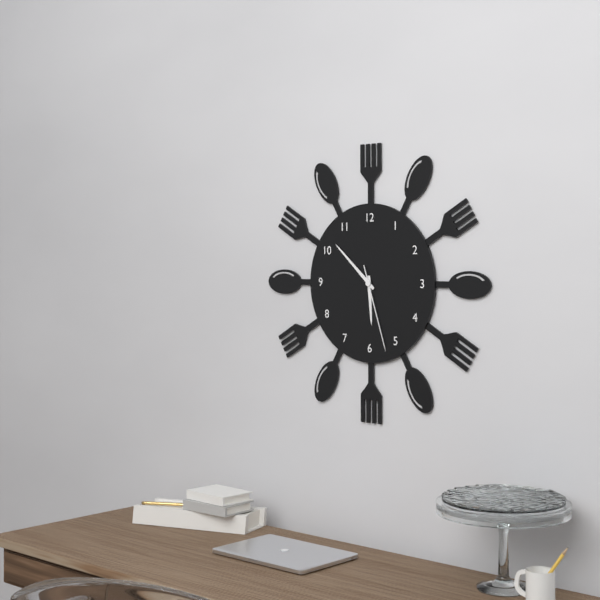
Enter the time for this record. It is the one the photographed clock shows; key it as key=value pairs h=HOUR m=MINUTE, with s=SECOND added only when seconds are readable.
h=5 m=52 s=27
